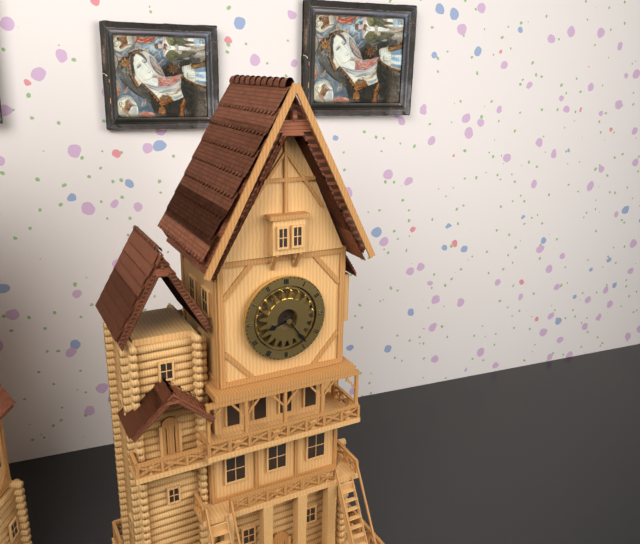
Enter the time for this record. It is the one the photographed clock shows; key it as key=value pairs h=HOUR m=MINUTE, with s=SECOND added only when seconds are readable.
h=8 m=24
